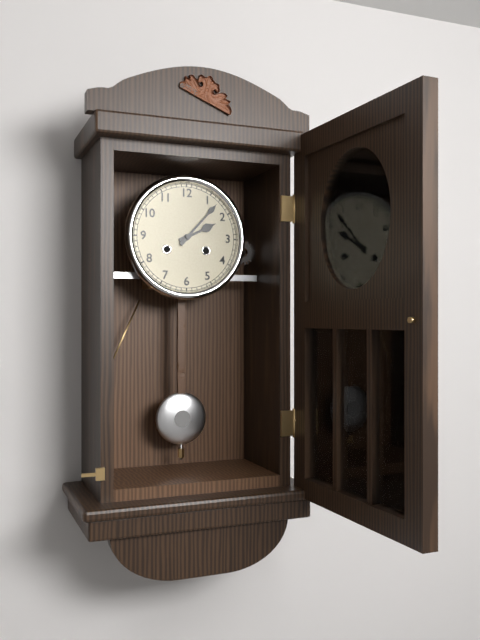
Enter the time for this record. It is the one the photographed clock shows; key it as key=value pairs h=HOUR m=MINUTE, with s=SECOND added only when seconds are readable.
h=2 m=7
